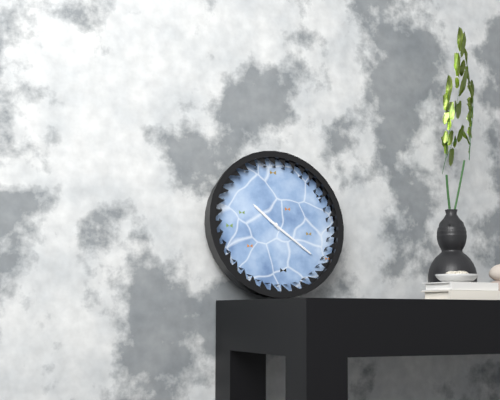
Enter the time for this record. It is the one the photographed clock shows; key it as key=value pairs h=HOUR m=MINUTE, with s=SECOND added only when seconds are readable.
h=10 m=21
